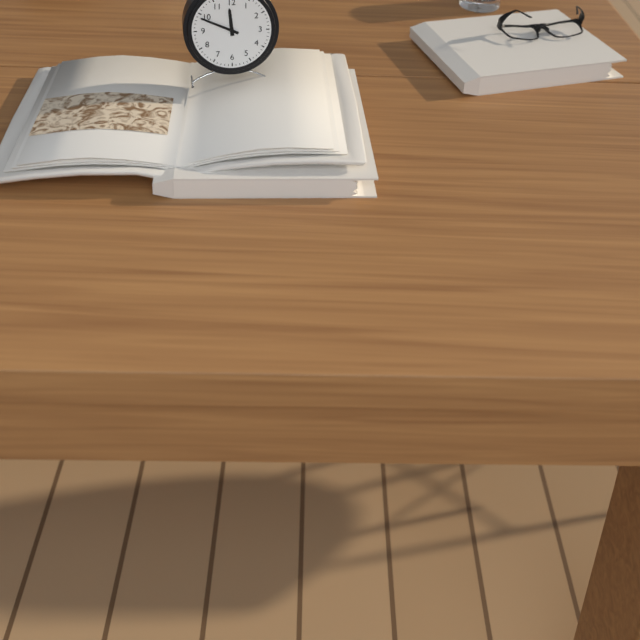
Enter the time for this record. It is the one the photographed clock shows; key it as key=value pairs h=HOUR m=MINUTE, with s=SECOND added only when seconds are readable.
h=11 m=49
